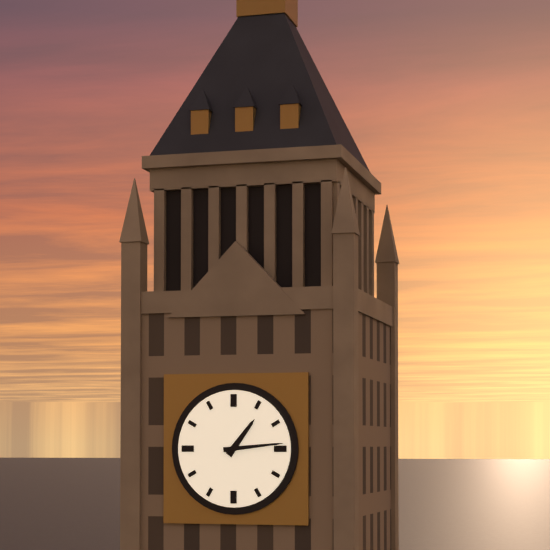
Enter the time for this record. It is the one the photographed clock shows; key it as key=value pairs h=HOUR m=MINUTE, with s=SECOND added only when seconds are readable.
h=1 m=14
